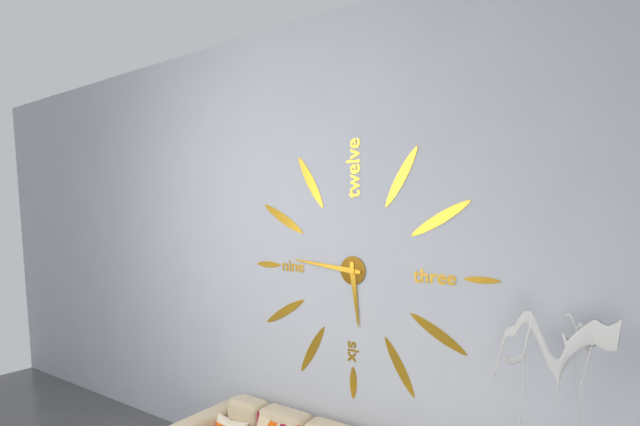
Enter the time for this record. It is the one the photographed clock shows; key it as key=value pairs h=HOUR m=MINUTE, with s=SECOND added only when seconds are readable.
h=5 m=46
